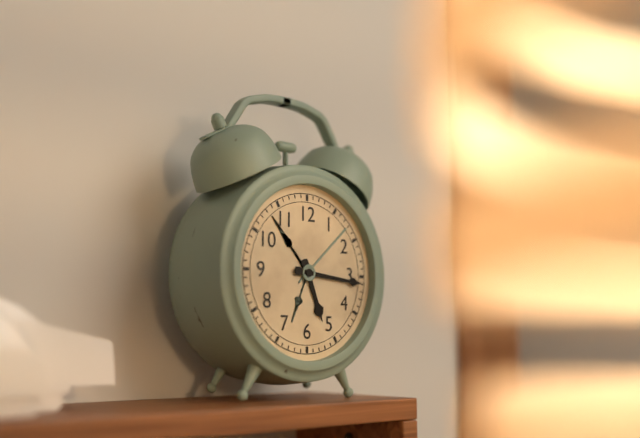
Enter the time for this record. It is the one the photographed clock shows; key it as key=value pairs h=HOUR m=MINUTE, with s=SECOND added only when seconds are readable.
h=5 m=16
